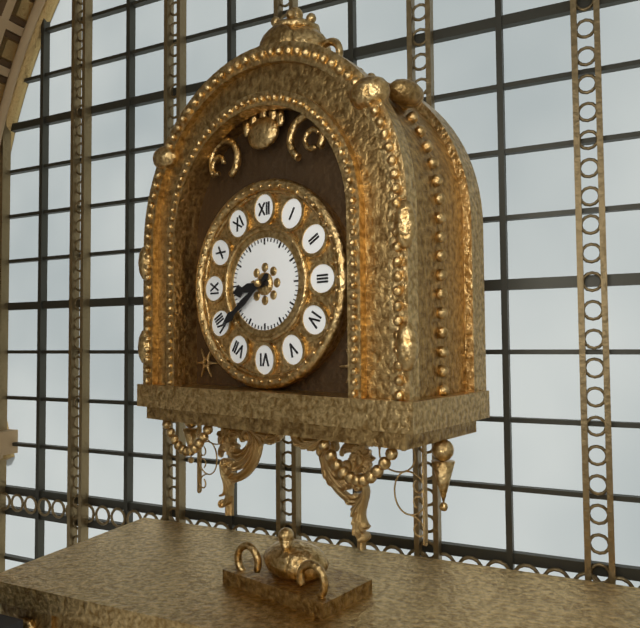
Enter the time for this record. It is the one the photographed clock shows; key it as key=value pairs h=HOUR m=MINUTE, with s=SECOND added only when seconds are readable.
h=8 m=39
